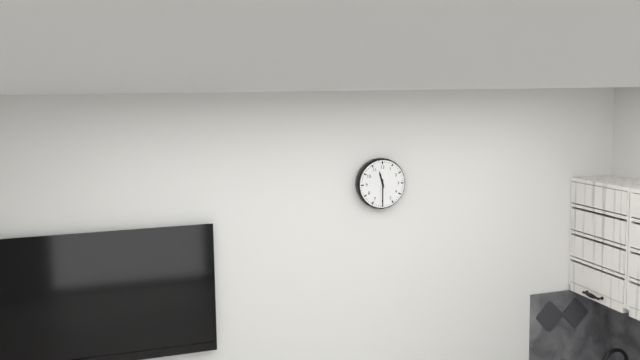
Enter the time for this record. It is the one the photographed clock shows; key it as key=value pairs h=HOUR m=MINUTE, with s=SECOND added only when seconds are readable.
h=11 m=30
